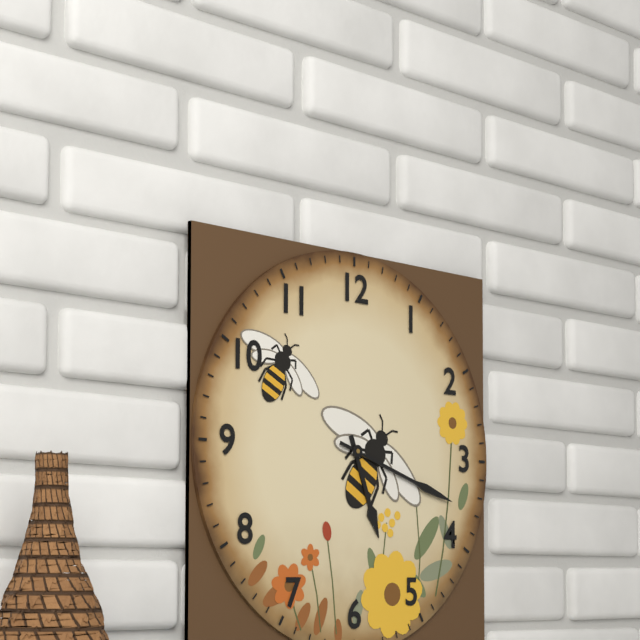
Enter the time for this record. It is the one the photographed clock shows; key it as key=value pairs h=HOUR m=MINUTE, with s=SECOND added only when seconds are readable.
h=5 m=18
